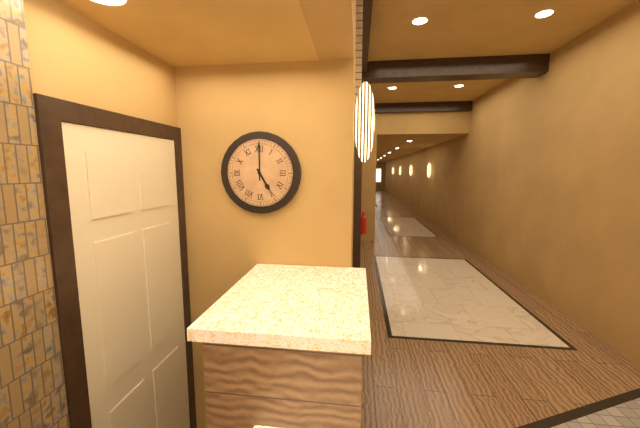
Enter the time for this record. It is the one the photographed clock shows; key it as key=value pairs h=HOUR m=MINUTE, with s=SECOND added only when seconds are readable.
h=5 m=0
